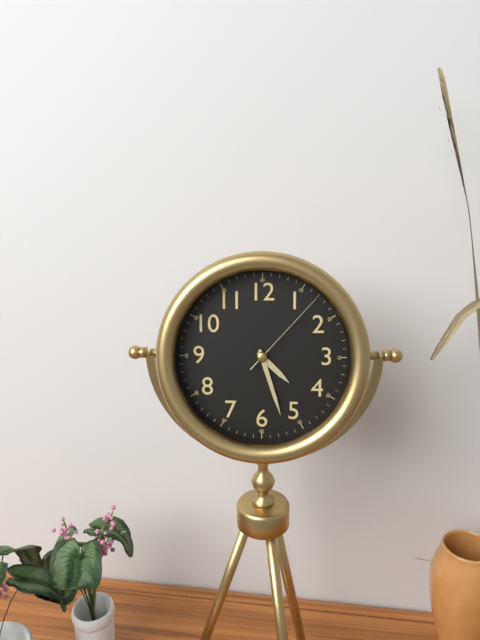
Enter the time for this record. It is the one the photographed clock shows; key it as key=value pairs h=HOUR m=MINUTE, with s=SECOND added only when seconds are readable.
h=4 m=27 s=7
